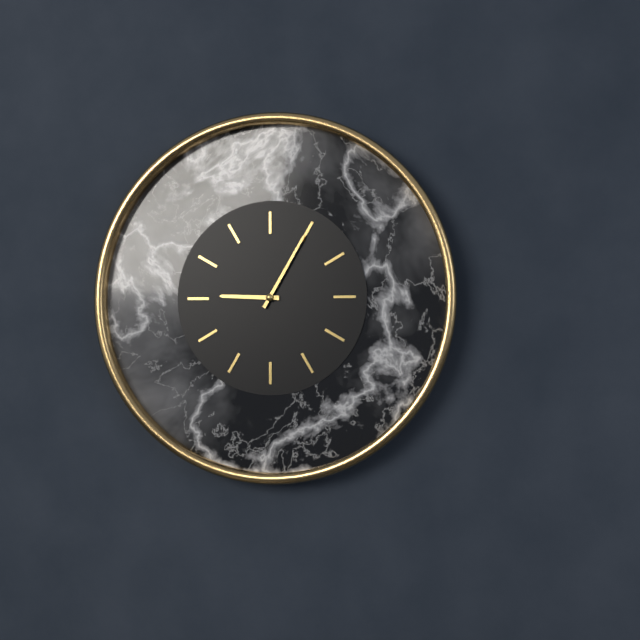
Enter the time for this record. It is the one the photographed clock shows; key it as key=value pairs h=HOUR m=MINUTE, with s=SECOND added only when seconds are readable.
h=9 m=5
